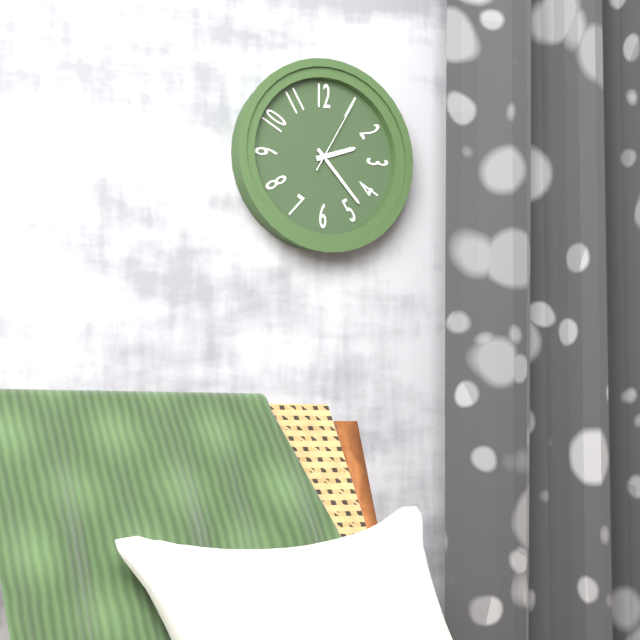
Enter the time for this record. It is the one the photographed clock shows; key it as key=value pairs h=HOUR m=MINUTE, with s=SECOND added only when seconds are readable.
h=2 m=23 s=5
